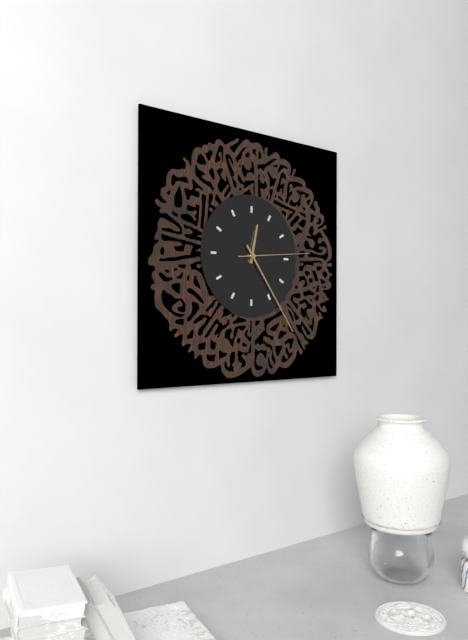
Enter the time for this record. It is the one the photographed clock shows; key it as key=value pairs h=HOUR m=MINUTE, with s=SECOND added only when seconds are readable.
h=12 m=24 s=14
